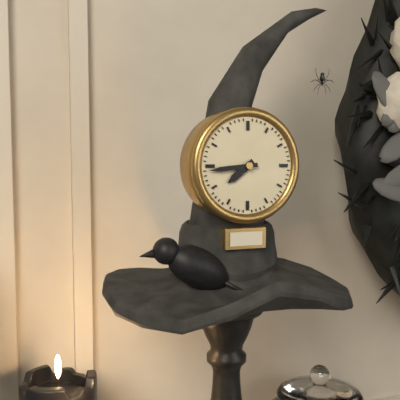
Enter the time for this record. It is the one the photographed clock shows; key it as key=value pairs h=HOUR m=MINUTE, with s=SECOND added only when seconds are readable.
h=7 m=44
